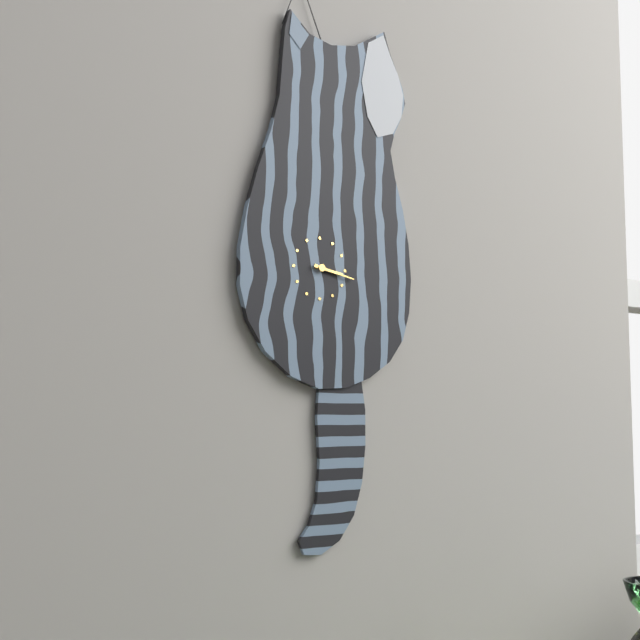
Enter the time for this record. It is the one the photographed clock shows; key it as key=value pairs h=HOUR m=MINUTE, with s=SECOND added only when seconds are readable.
h=3 m=17
